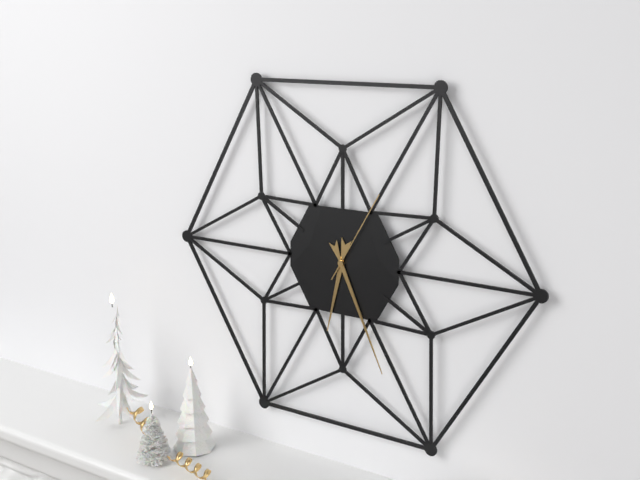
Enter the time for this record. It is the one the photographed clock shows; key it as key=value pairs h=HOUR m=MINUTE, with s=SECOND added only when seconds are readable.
h=6 m=26 s=5
